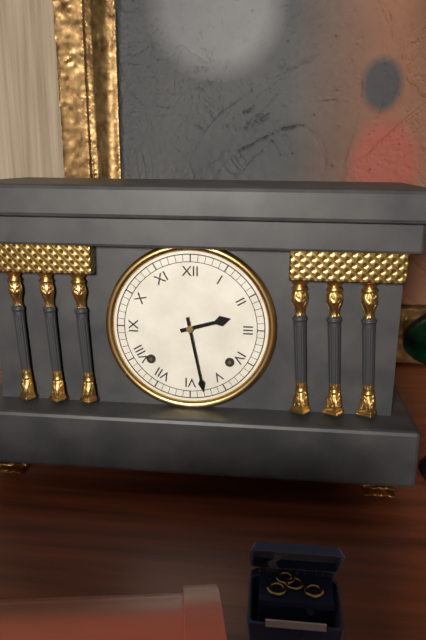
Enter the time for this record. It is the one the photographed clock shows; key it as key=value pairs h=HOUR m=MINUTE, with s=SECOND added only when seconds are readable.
h=2 m=28
